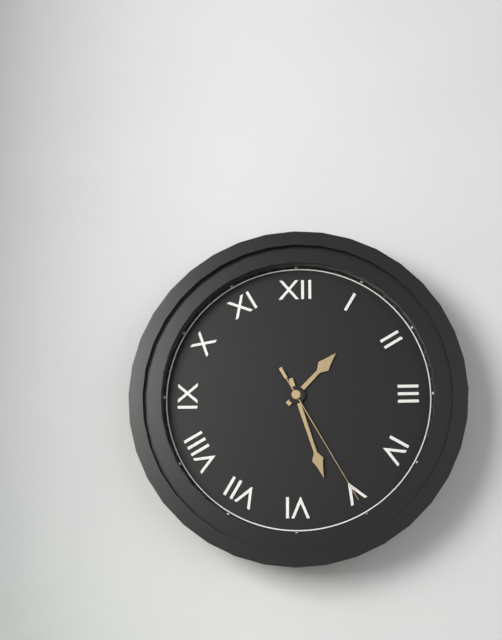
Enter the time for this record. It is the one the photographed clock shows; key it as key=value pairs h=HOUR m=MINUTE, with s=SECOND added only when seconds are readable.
h=1 m=27 s=25
